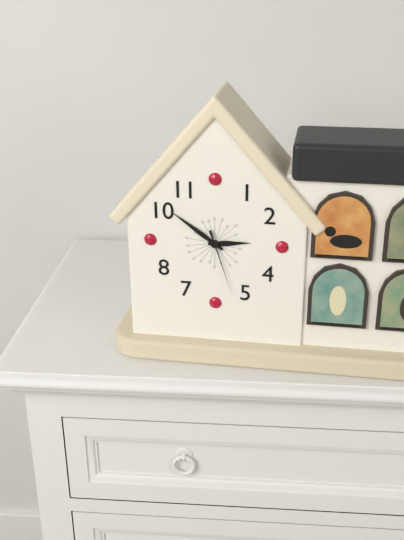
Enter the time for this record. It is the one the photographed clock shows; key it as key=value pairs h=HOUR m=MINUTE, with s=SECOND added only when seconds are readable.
h=2 m=51 s=27
